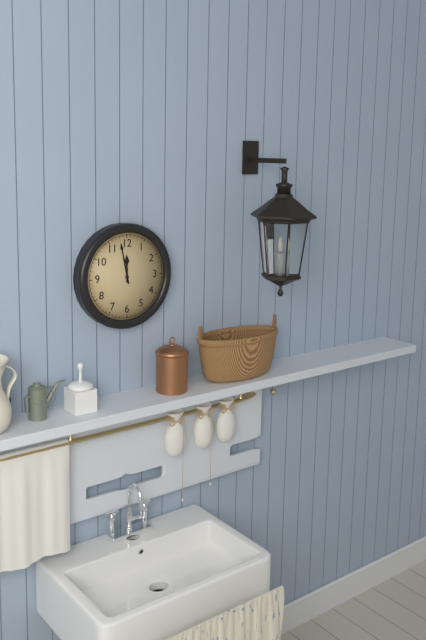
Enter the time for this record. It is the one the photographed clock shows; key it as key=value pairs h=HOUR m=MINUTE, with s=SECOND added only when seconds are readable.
h=11 m=58
